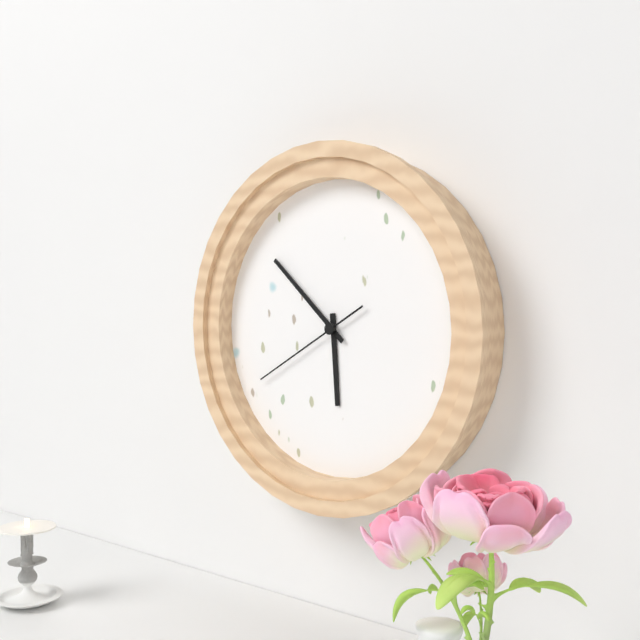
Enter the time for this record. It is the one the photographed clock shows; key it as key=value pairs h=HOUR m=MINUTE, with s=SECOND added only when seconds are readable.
h=5 m=52 s=40
